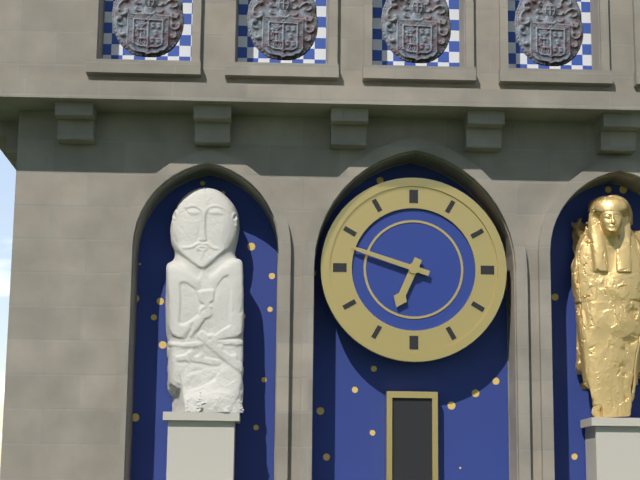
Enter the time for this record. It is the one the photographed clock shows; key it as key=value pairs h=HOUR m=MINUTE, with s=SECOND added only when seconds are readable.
h=6 m=48
